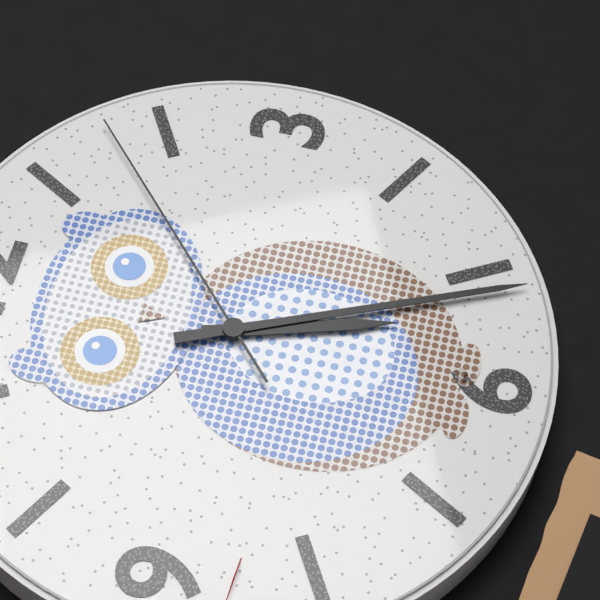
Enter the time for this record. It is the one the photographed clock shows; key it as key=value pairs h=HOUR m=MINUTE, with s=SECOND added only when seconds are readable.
h=5 m=26 s=8
